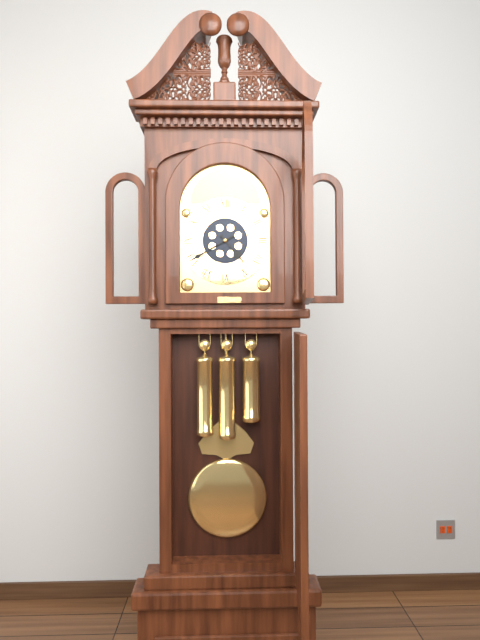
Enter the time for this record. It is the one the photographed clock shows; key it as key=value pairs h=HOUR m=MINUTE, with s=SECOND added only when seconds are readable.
h=4 m=40
